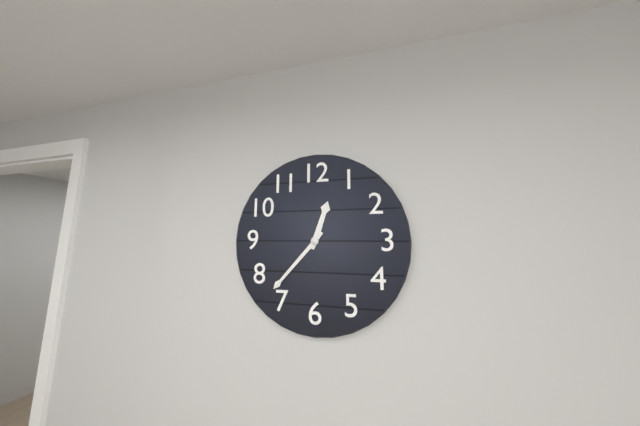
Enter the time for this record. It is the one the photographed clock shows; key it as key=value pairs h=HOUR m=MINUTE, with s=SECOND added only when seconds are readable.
h=12 m=37
